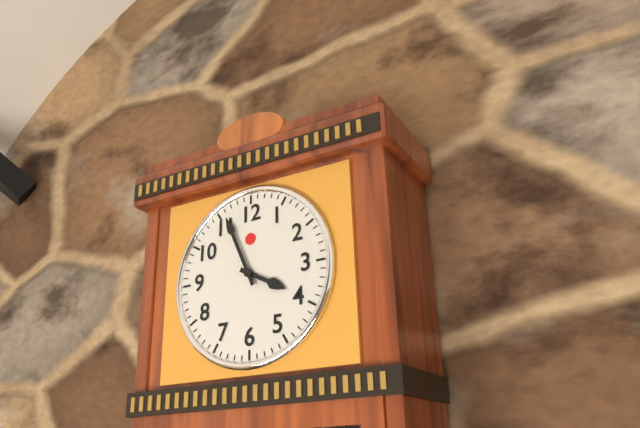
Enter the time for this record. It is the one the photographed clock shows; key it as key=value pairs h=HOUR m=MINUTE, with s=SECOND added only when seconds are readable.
h=3 m=56
